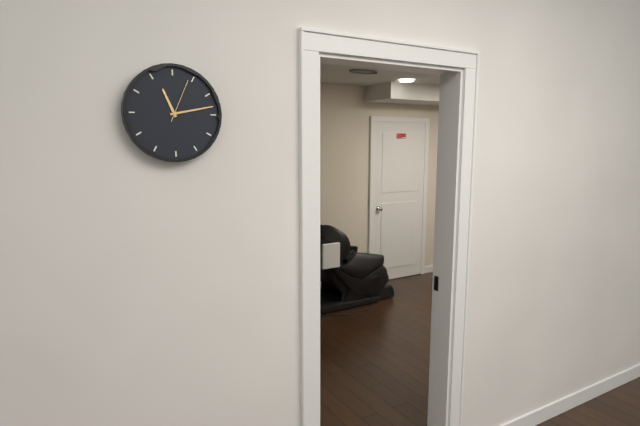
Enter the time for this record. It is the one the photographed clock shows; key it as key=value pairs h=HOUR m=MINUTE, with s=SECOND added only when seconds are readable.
h=11 m=13
